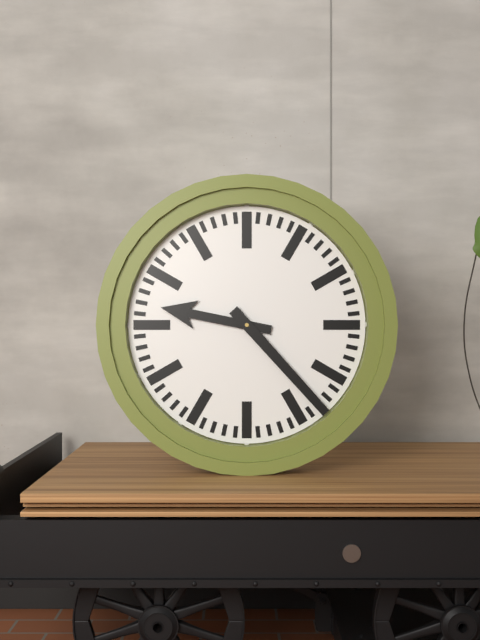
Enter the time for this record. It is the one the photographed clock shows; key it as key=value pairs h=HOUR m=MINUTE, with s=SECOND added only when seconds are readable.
h=9 m=23
